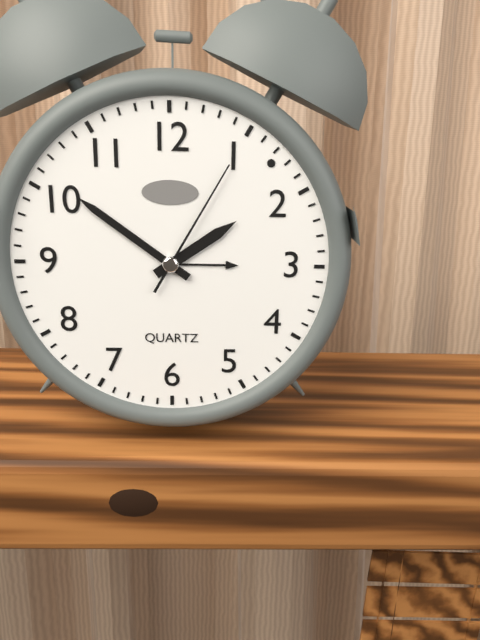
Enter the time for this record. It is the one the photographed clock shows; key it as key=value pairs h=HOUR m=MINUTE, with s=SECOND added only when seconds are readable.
h=1 m=51 s=5
